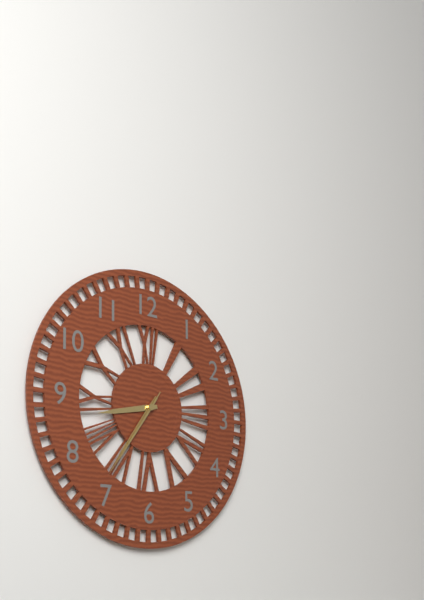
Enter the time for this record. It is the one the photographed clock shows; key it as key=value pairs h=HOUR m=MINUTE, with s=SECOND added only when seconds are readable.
h=8 m=36 s=36
